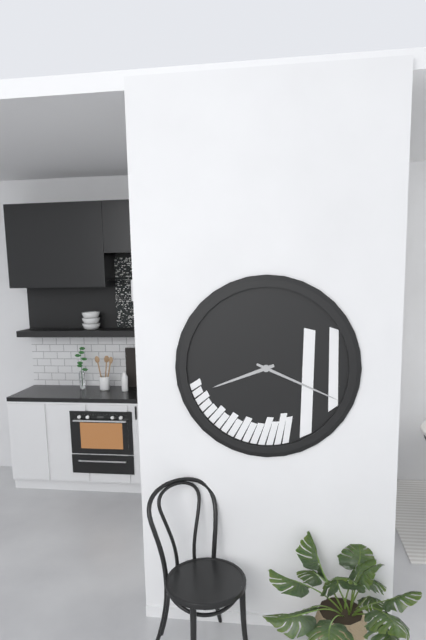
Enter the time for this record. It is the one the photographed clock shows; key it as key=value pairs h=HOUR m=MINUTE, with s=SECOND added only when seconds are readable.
h=8 m=19
